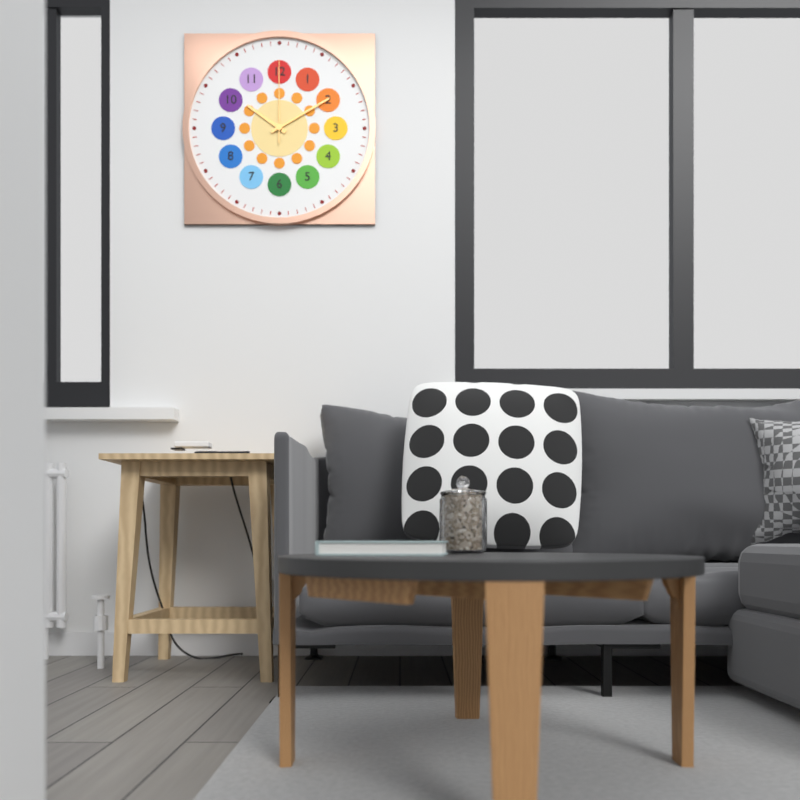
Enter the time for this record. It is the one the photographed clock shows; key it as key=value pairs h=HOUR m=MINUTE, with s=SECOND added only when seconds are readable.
h=10 m=10 s=0
